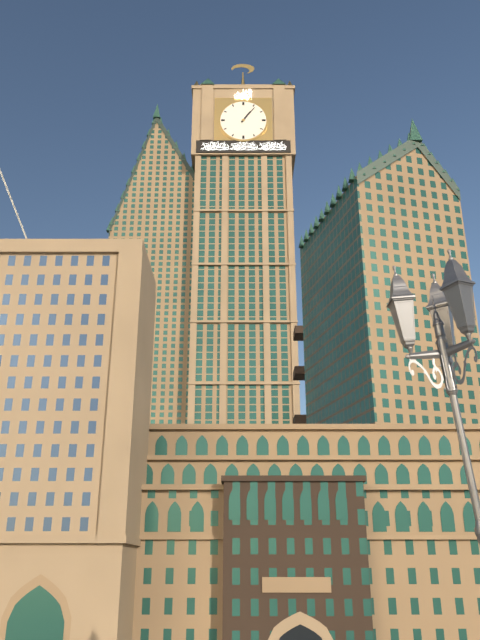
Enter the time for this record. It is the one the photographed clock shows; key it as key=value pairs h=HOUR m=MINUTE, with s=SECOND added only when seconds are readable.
h=1 m=6
